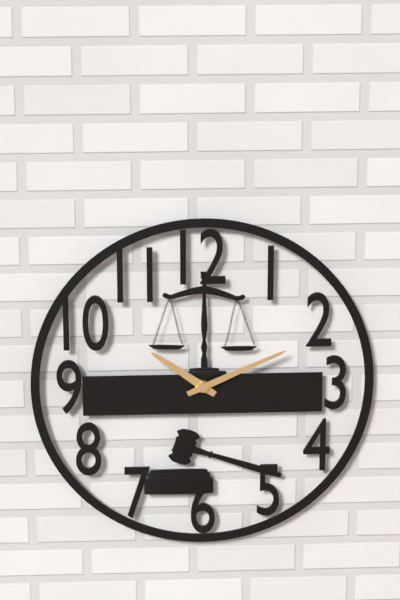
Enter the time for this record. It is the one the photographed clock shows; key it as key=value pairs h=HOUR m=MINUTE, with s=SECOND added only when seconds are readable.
h=10 m=11
